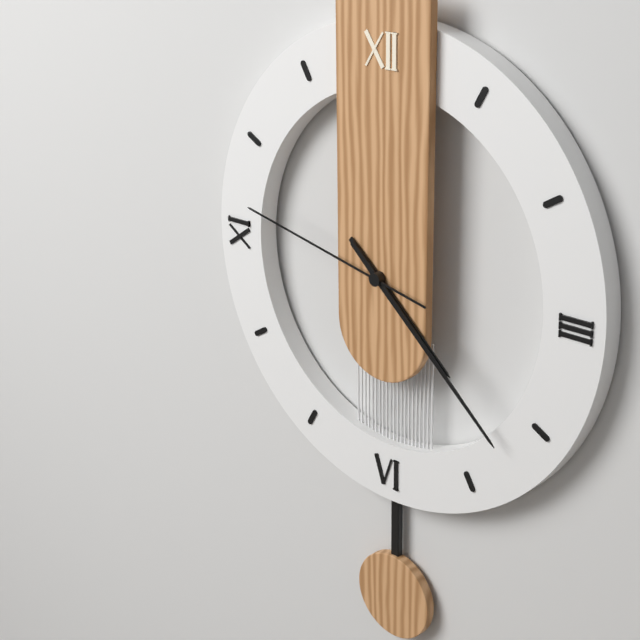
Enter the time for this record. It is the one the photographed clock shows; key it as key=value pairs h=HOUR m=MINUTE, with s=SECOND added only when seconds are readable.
h=4 m=22 s=47
